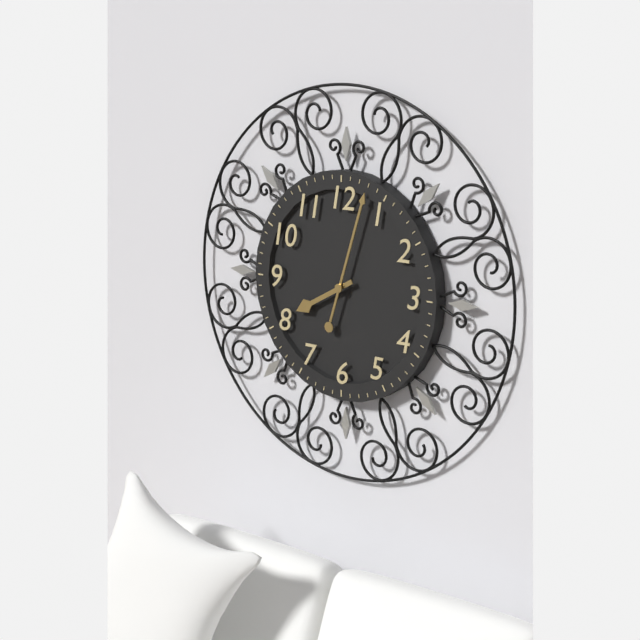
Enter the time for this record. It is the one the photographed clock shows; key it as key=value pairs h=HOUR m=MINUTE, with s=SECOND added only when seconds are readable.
h=8 m=3
